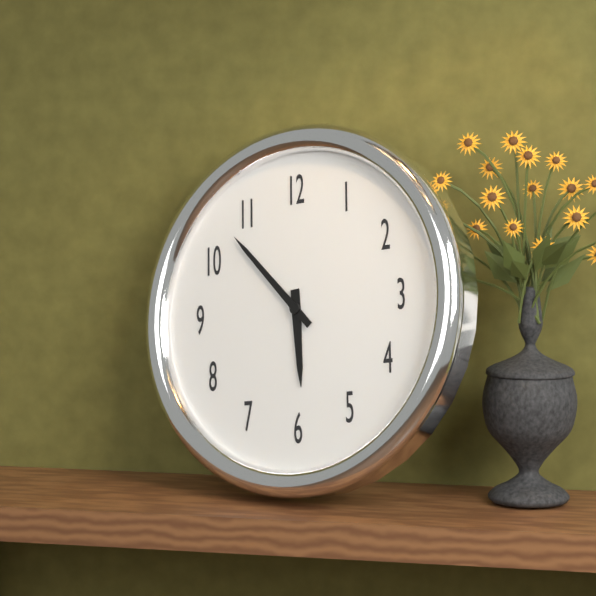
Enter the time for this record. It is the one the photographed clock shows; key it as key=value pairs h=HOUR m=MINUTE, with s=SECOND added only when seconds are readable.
h=5 m=53
